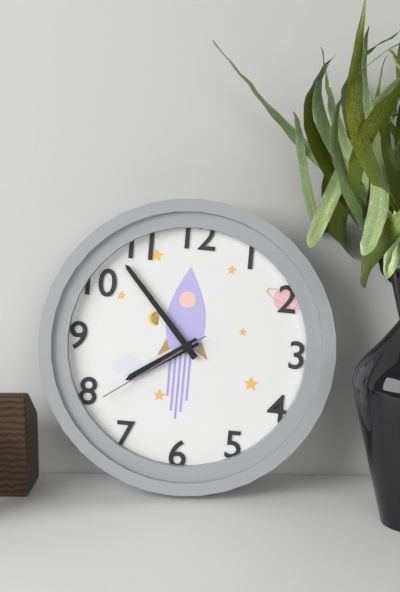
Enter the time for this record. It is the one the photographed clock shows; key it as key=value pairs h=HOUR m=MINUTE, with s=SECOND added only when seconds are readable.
h=7 m=53 s=39
